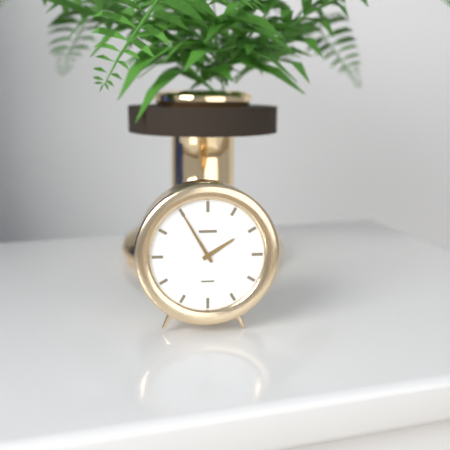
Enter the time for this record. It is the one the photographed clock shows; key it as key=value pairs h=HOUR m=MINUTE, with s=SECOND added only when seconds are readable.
h=1 m=55
